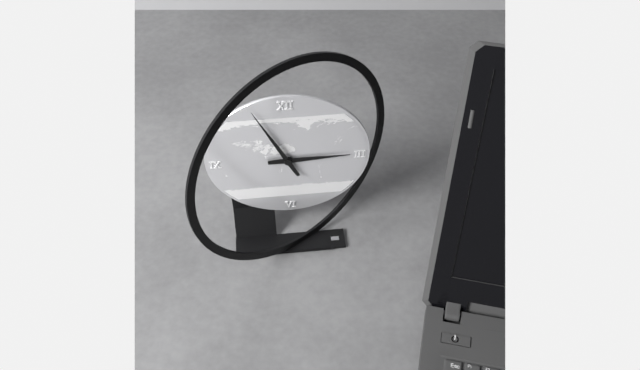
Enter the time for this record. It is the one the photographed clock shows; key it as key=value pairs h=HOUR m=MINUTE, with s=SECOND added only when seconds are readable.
h=2 m=56
